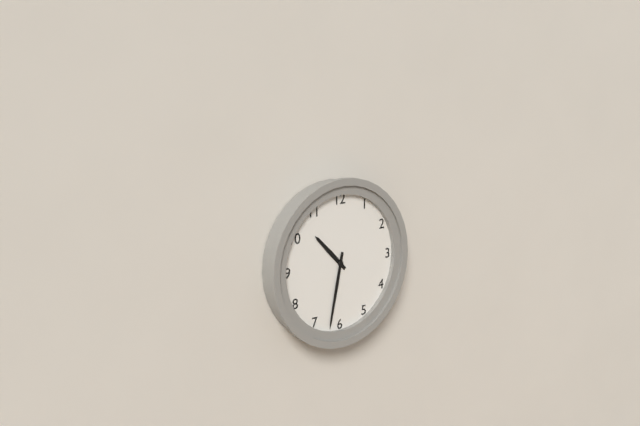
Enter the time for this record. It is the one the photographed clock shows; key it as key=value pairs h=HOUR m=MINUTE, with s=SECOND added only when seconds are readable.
h=10 m=32
